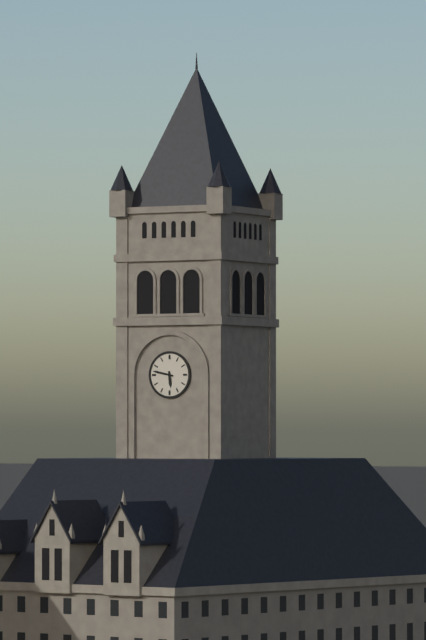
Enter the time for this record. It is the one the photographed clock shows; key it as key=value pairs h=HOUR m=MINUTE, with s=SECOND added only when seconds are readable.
h=5 m=47
